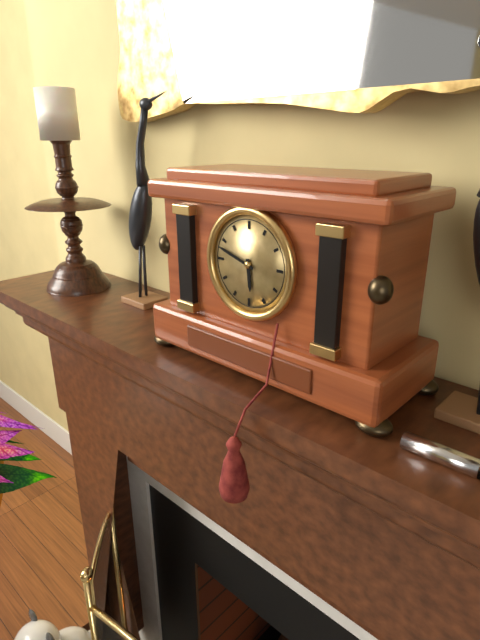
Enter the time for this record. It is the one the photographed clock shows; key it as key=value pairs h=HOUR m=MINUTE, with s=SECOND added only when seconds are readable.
h=5 m=48
